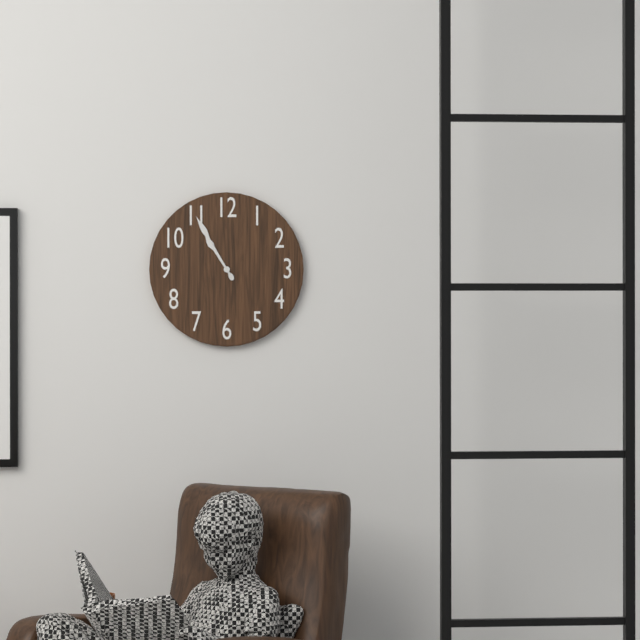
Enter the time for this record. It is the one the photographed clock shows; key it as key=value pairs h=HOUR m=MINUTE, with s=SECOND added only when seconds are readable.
h=10 m=55
